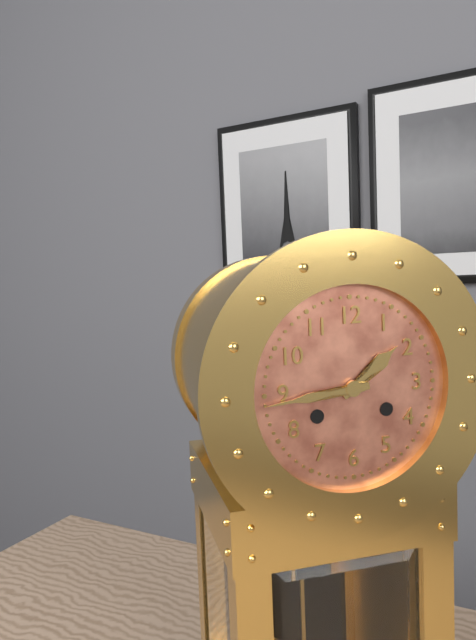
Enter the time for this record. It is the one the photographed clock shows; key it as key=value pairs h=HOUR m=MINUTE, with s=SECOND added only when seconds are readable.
h=1 m=44
